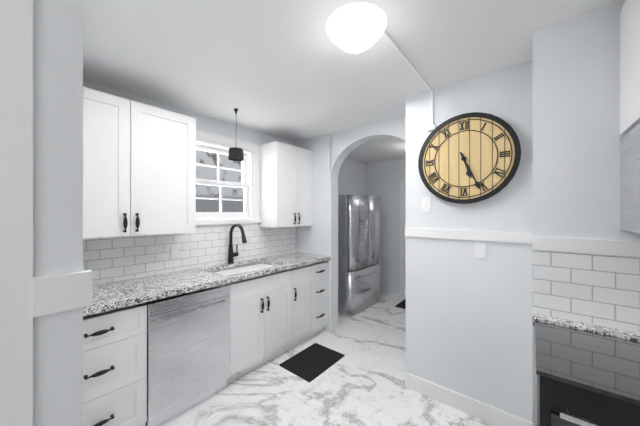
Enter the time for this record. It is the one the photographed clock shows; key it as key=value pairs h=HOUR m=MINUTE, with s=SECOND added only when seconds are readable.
h=5 m=26
